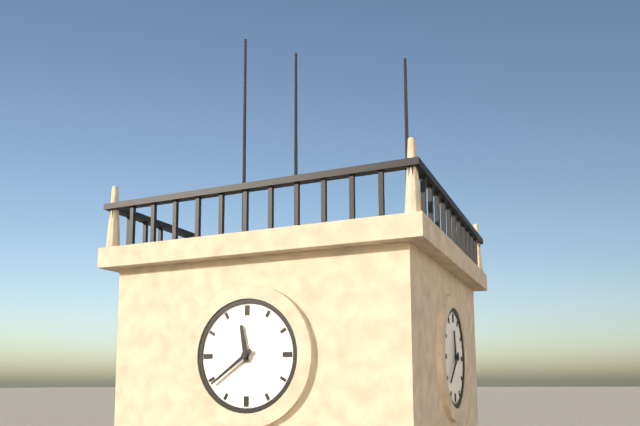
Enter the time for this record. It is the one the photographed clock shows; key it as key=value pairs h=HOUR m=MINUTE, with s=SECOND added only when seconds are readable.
h=11 m=39
